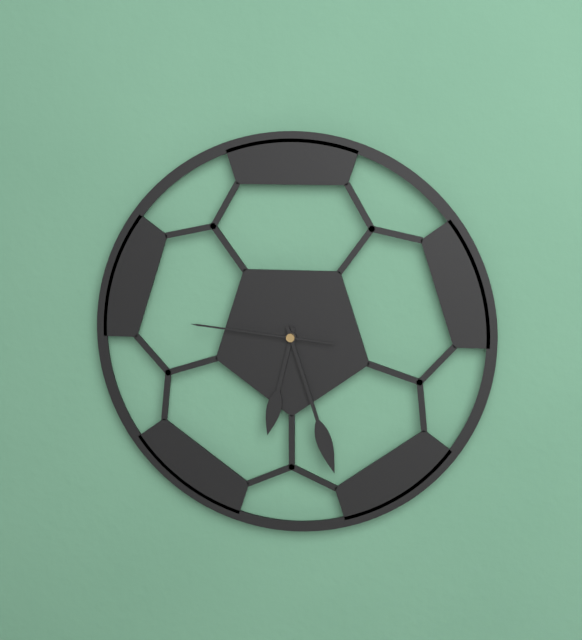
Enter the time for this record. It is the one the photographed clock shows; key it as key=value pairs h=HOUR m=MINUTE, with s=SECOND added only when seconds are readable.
h=6 m=27 s=46
